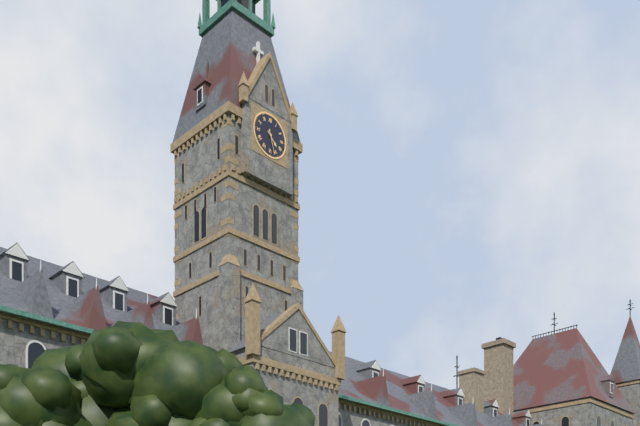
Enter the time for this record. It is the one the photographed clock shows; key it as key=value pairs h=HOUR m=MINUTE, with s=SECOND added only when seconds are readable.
h=4 m=27
